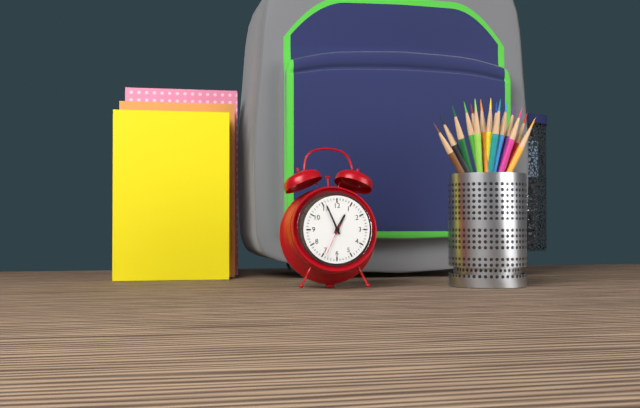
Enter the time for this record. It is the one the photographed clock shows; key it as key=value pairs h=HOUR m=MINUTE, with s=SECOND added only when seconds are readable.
h=12 m=56
